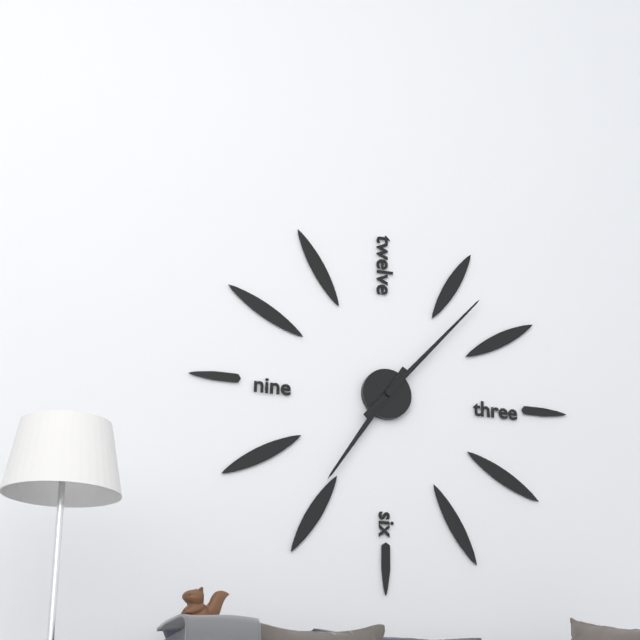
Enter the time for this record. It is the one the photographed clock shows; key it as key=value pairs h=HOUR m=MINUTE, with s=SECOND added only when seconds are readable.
h=7 m=7
